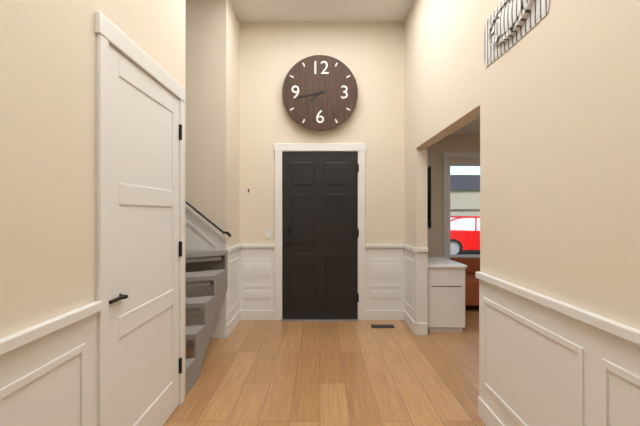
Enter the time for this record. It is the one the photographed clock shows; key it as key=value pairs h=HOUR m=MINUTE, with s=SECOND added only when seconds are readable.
h=7 m=43
